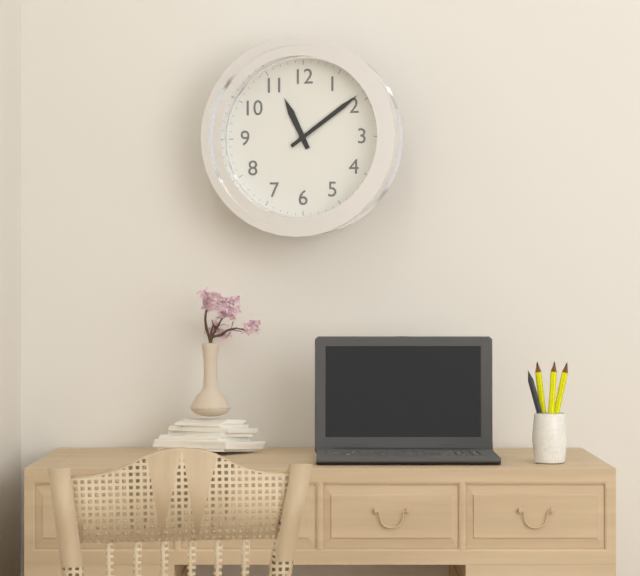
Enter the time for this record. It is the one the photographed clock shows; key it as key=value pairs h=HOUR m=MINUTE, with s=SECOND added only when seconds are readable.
h=11 m=9
